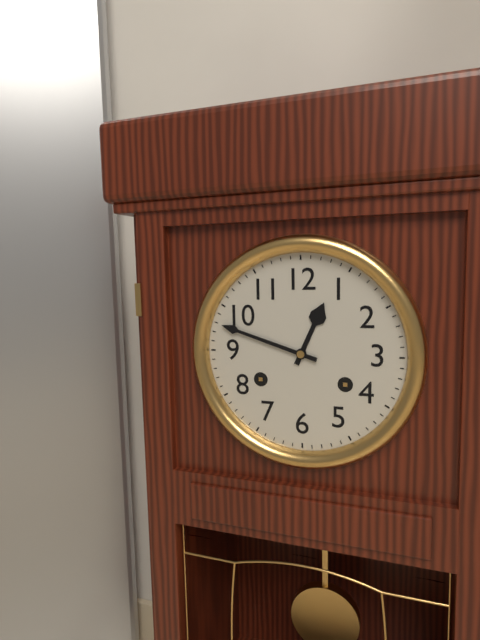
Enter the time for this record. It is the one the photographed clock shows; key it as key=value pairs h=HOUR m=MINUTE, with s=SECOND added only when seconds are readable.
h=12 m=48
